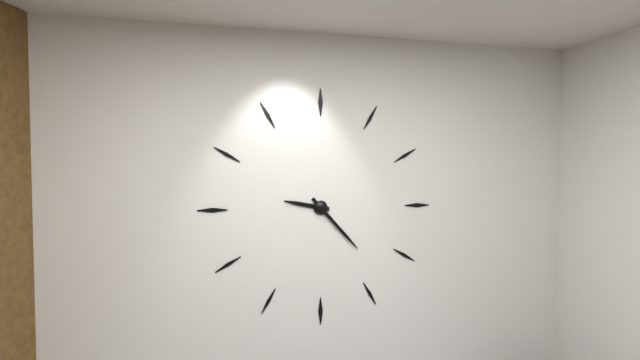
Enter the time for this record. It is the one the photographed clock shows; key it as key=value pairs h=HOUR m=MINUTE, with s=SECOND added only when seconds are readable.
h=9 m=23
